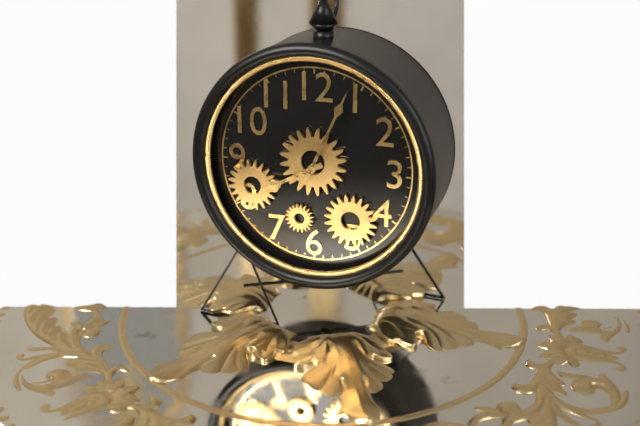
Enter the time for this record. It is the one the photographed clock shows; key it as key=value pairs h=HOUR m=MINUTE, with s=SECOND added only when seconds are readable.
h=8 m=4
